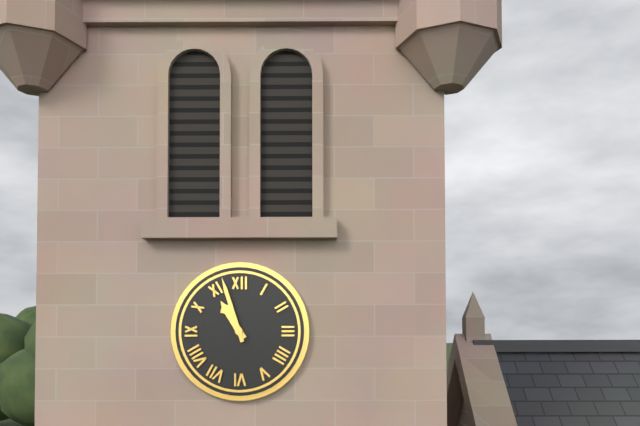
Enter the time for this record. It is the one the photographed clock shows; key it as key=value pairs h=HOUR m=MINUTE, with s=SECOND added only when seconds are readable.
h=10 m=57
